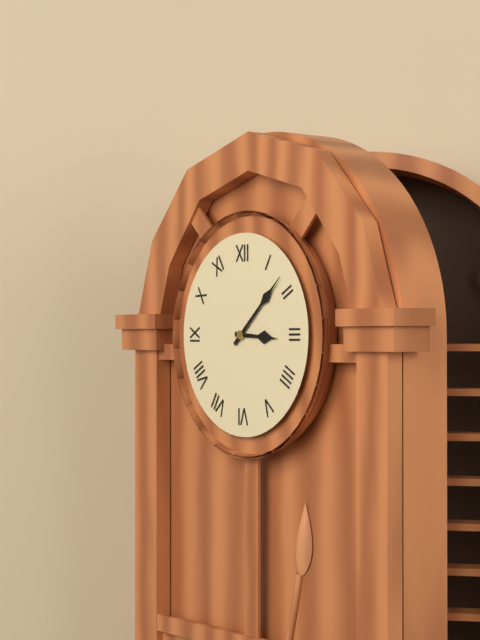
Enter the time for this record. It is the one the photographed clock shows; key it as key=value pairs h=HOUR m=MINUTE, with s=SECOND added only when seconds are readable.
h=3 m=8
